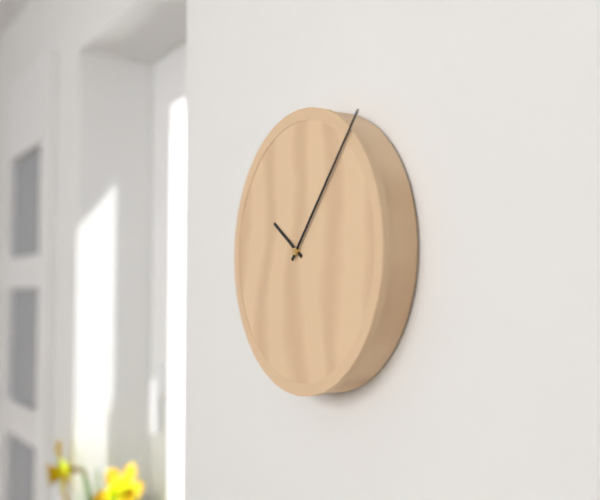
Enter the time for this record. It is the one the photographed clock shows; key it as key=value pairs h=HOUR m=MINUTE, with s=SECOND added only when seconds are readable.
h=10 m=7
